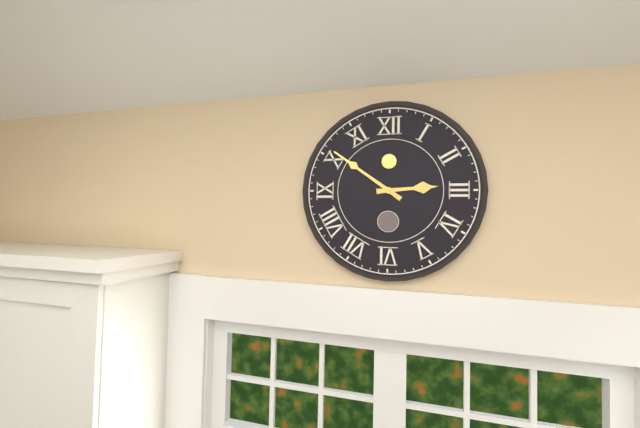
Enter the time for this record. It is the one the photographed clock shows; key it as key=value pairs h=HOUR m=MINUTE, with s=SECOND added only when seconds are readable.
h=2 m=51
